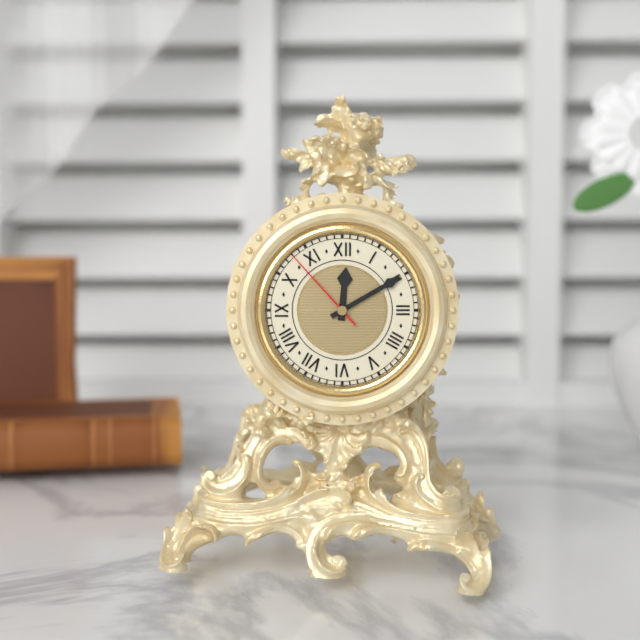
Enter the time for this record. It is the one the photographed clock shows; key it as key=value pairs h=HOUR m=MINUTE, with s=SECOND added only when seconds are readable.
h=12 m=10 s=53
